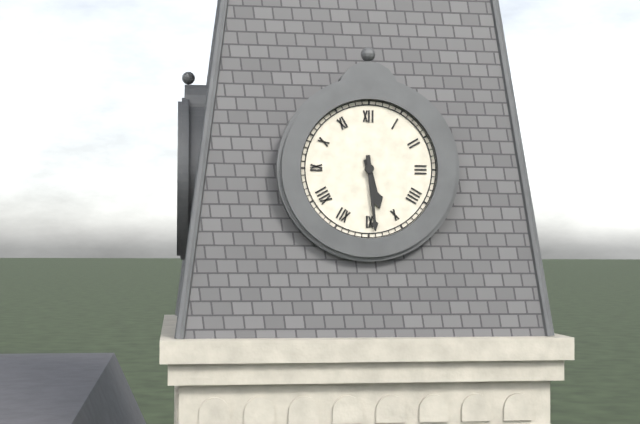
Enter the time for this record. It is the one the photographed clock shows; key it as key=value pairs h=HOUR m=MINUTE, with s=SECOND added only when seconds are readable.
h=5 m=29
